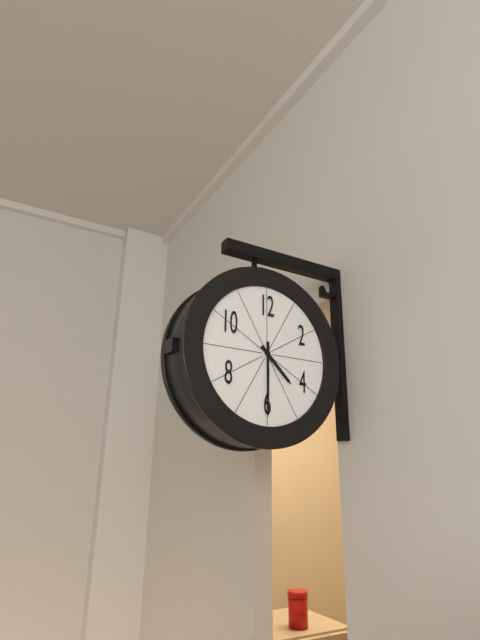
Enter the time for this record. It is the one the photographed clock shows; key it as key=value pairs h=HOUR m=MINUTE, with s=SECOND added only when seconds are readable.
h=4 m=30
